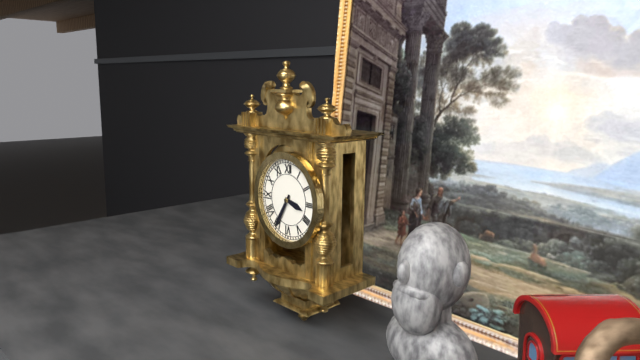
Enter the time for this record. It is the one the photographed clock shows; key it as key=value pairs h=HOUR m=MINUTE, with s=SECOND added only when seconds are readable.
h=3 m=35
